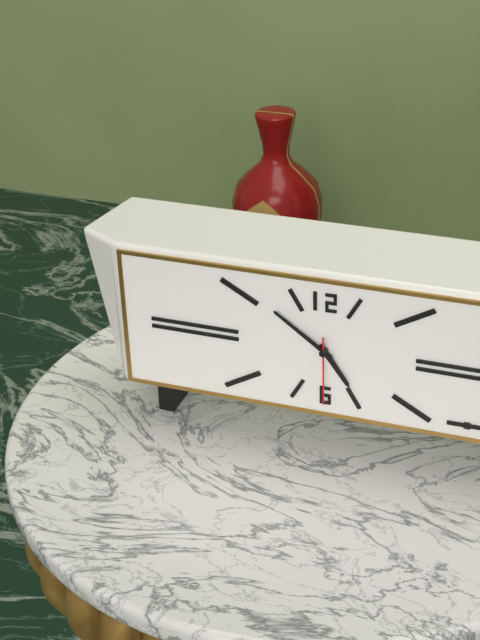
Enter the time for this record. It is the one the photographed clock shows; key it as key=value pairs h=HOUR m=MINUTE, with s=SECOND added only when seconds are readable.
h=4 m=51 s=30
